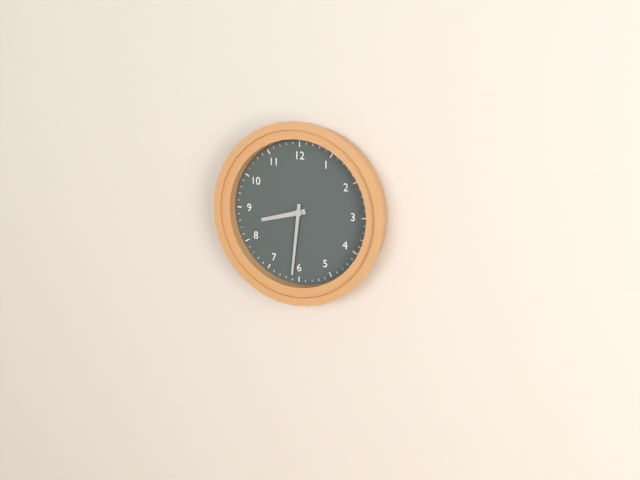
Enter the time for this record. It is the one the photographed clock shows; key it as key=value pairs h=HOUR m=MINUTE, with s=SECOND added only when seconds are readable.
h=8 m=31
